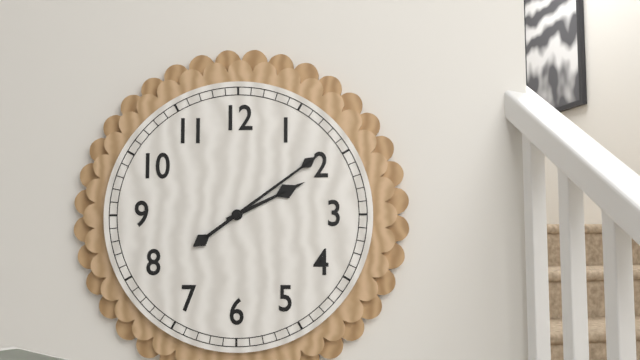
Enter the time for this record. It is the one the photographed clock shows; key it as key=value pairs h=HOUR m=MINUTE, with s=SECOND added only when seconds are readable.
h=2 m=9
